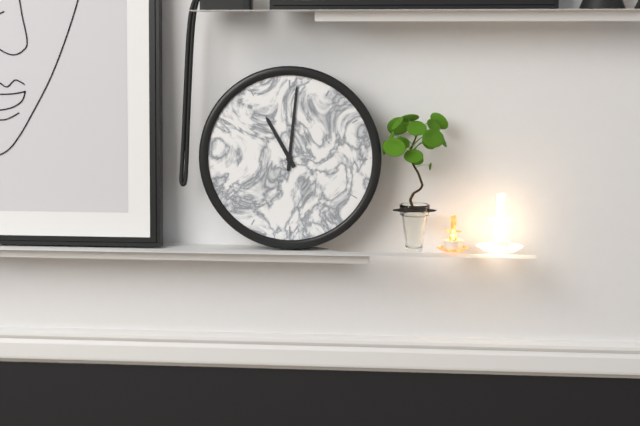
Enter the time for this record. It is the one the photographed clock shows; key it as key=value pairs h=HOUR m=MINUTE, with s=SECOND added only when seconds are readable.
h=11 m=1
